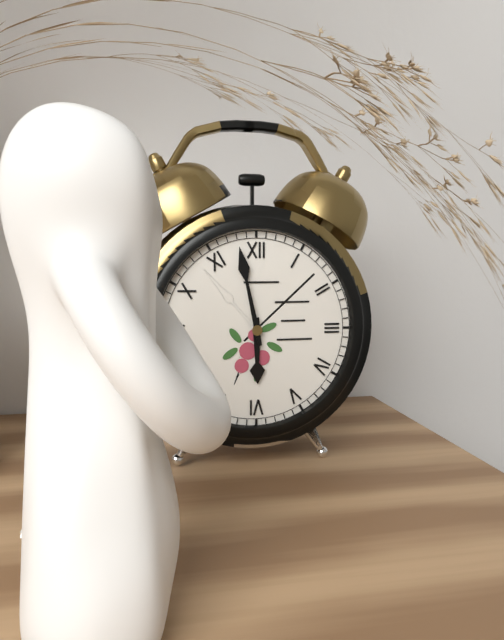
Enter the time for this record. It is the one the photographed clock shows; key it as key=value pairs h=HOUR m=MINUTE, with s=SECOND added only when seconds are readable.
h=5 m=58
